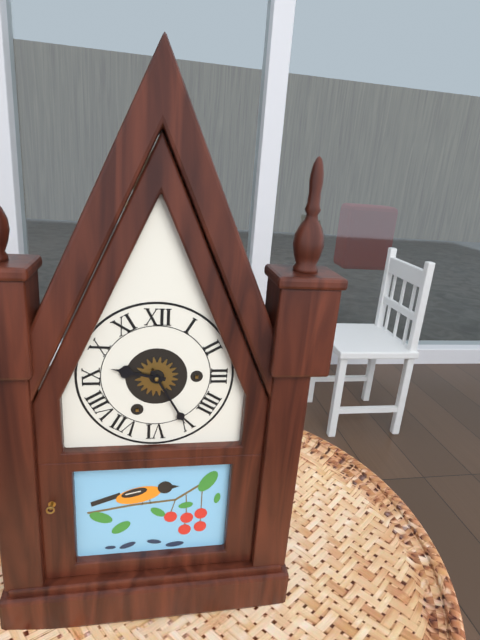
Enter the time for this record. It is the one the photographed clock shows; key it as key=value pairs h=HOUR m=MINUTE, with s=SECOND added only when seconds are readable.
h=9 m=25
